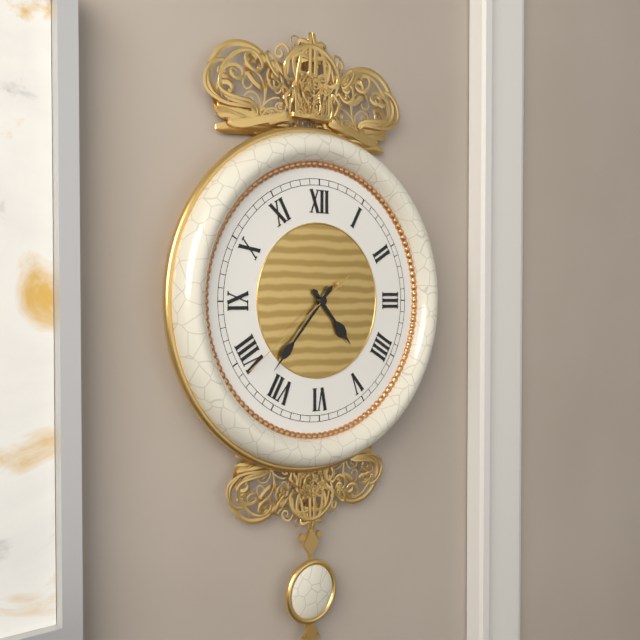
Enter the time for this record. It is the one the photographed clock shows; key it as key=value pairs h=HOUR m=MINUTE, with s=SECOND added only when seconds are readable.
h=4 m=37 s=39
